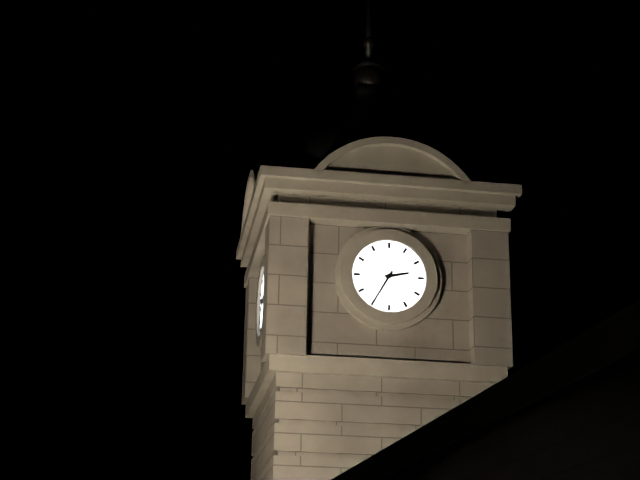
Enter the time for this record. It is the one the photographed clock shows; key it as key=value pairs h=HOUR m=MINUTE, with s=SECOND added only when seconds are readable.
h=2 m=35
